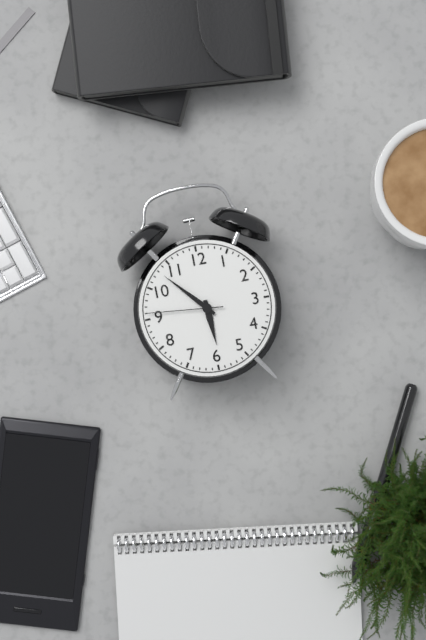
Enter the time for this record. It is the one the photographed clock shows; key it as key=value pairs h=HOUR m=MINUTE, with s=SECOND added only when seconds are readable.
h=5 m=53 s=46
